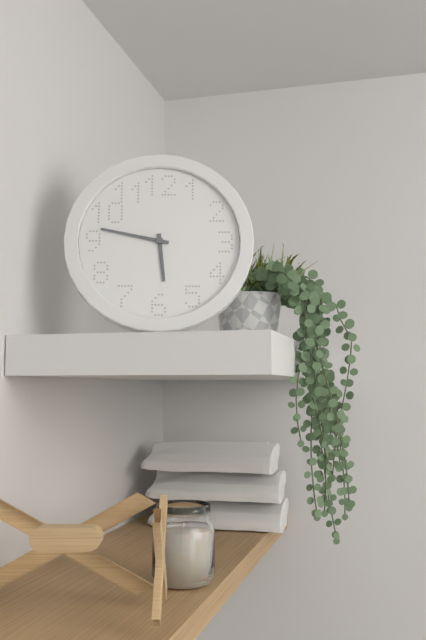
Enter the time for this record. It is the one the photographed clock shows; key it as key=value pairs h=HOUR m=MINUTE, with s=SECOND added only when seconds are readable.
h=5 m=47
